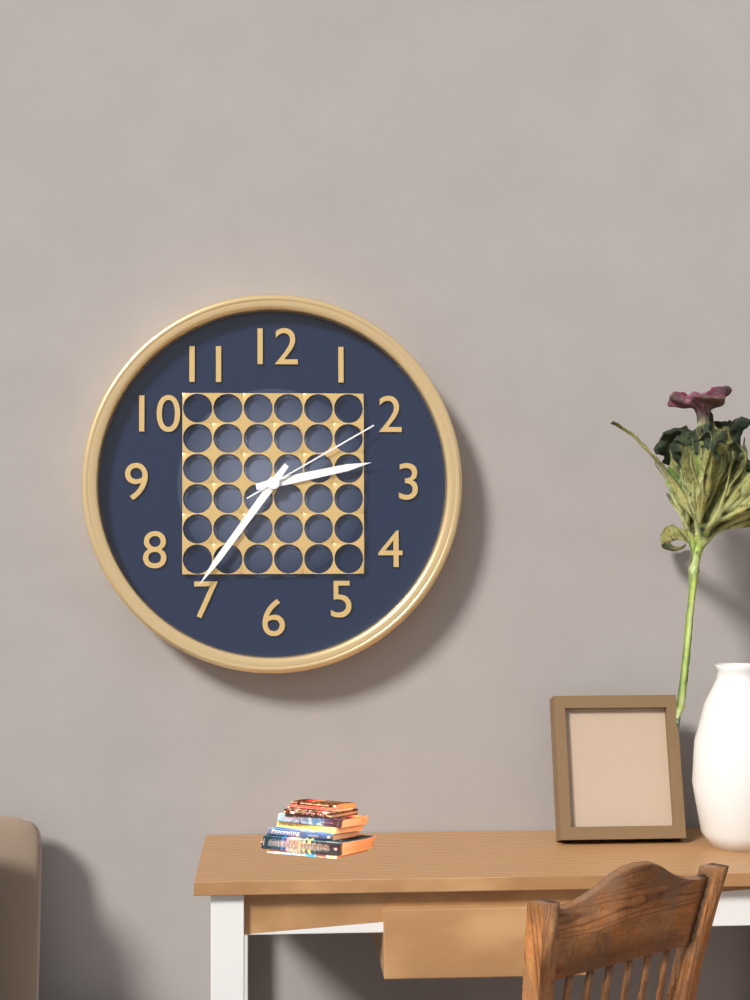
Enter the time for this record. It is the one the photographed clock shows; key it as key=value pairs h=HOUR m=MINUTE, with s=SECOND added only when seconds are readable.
h=2 m=36 s=10
